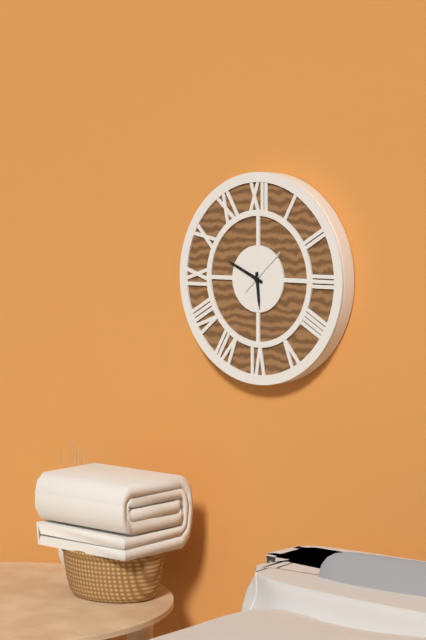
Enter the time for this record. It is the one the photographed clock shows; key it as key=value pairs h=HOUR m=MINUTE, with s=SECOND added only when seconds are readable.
h=5 m=49
